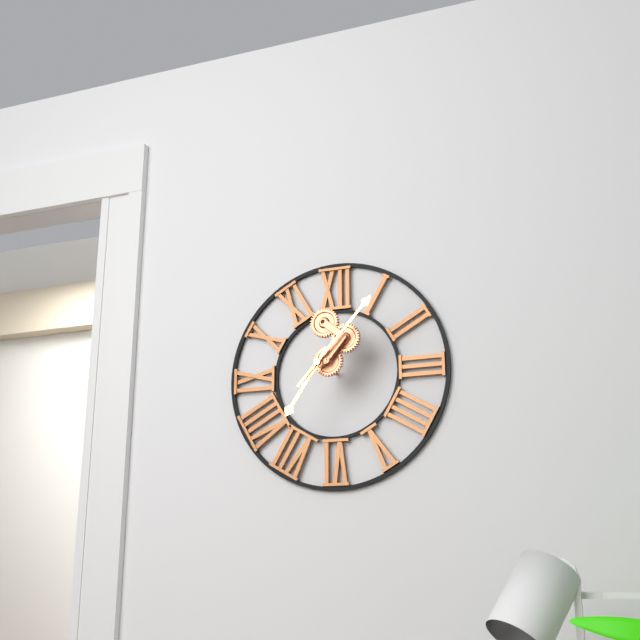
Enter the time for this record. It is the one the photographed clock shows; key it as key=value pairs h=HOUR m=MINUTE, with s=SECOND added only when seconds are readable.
h=7 m=7
